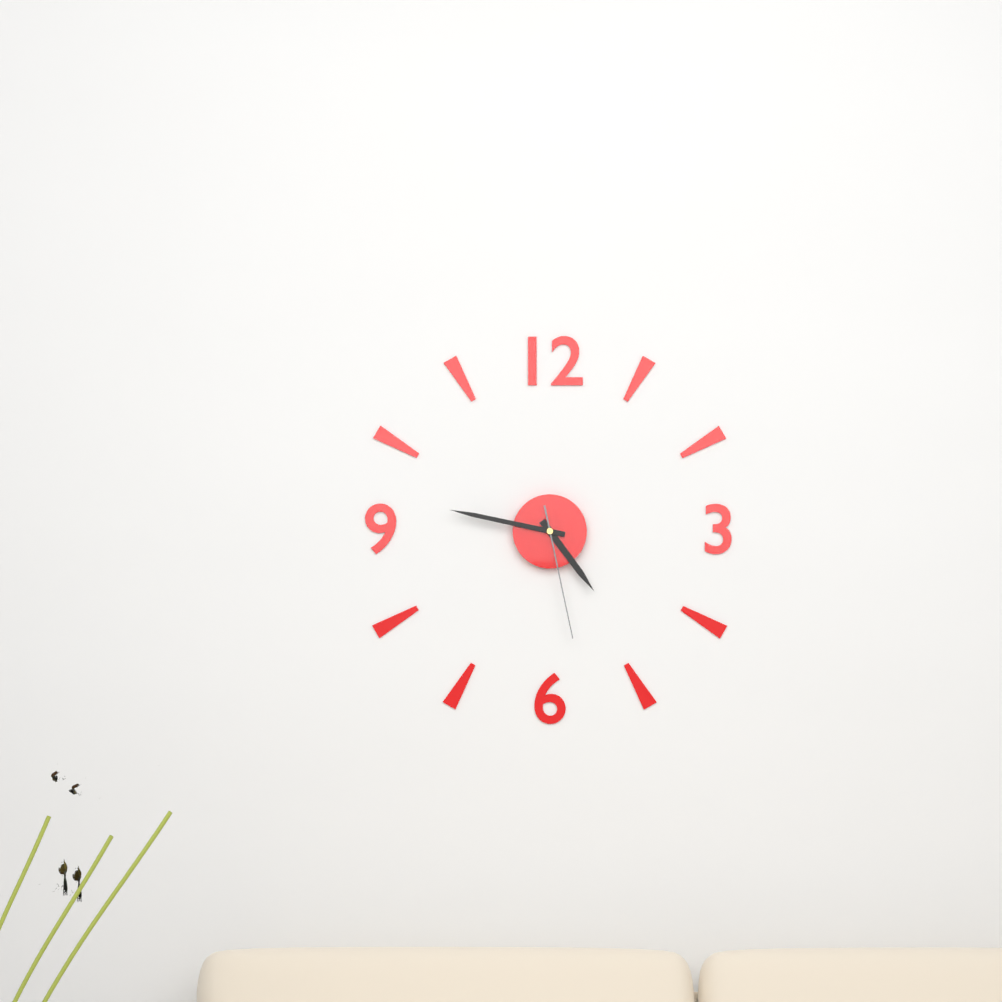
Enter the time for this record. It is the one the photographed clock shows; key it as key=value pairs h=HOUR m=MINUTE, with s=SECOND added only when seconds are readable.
h=4 m=47 s=28
